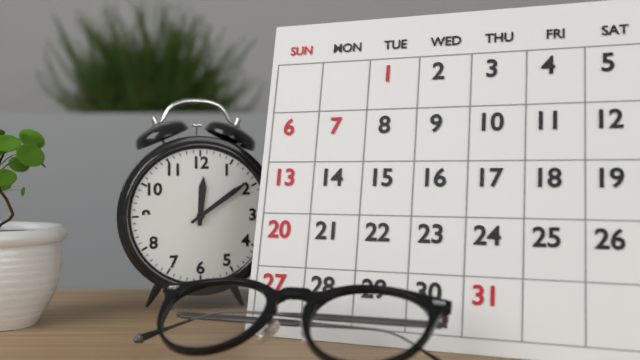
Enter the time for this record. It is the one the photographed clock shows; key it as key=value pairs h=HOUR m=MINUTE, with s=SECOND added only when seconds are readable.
h=12 m=9
